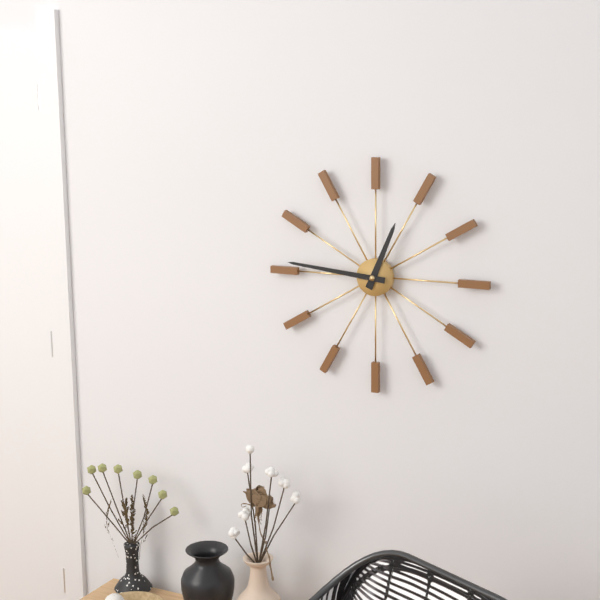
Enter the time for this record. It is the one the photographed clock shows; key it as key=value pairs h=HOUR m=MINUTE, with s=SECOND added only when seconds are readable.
h=12 m=46
